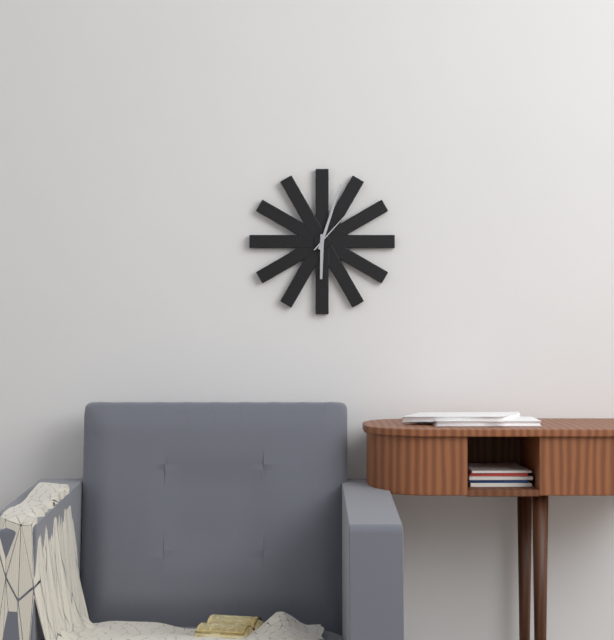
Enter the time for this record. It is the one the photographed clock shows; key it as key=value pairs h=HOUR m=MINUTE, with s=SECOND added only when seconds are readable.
h=6 m=3 s=7
